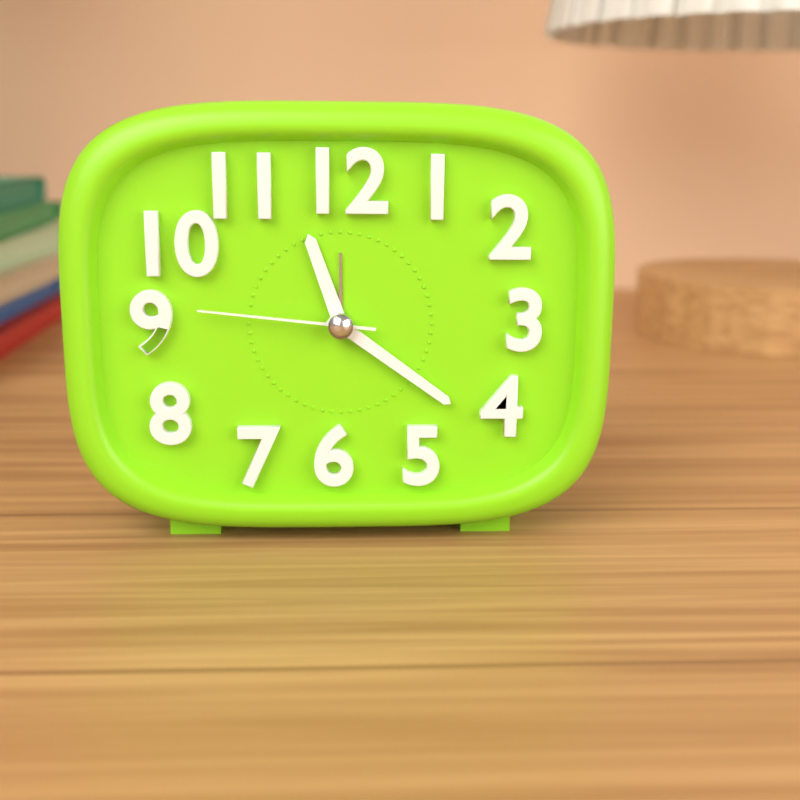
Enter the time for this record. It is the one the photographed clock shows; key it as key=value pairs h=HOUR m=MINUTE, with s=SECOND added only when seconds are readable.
h=11 m=21 s=46
